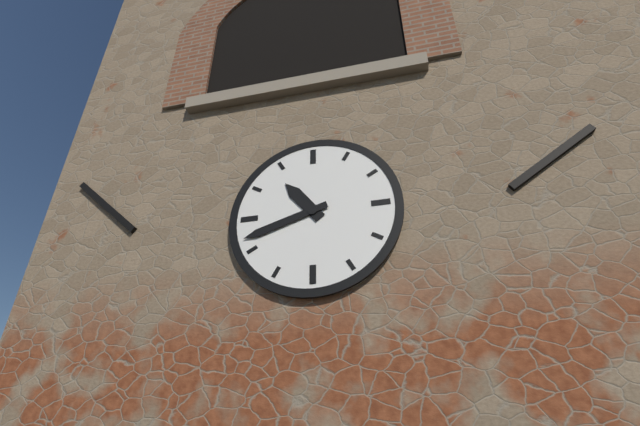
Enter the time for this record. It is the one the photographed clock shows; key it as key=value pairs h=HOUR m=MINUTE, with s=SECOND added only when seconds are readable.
h=10 m=42
